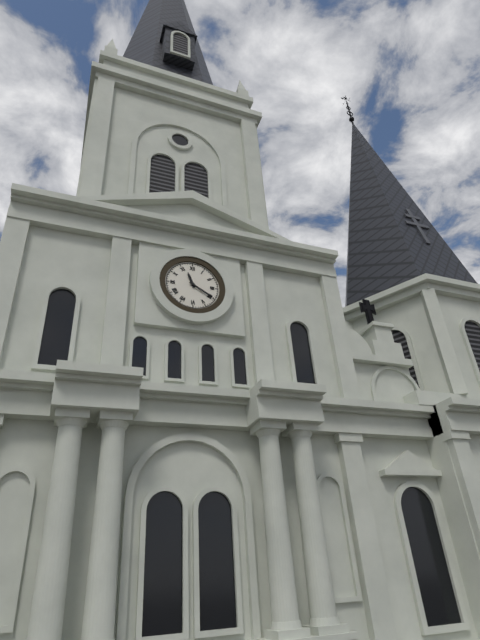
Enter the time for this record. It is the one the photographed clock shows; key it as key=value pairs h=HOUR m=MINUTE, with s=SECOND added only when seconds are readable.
h=11 m=20
